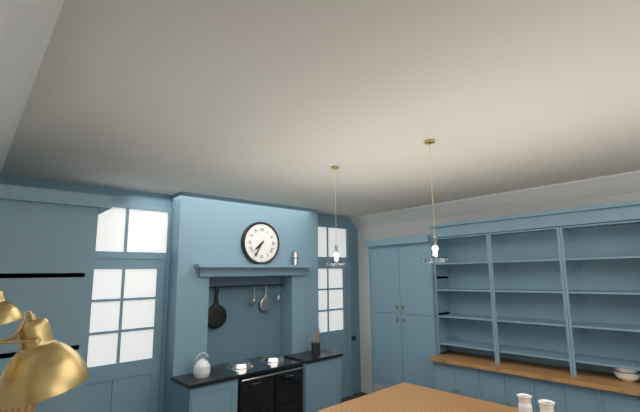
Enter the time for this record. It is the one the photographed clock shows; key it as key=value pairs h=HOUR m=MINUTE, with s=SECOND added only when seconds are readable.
h=7 m=35
